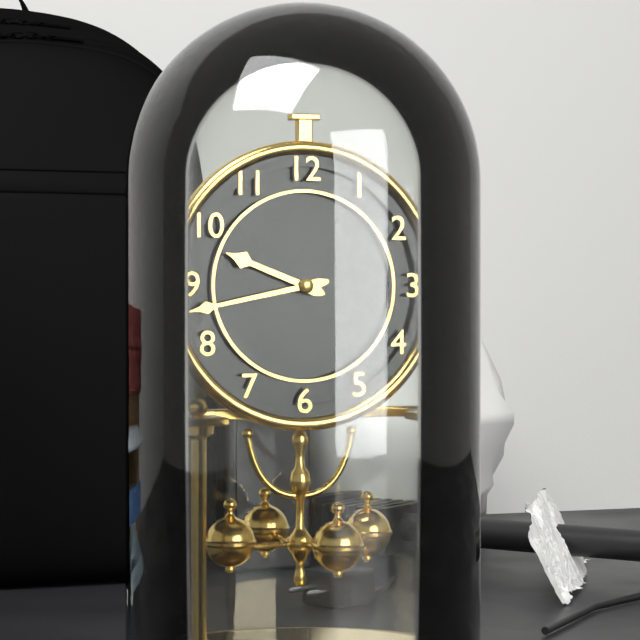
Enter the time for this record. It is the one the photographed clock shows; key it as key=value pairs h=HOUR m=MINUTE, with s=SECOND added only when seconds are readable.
h=9 m=43
